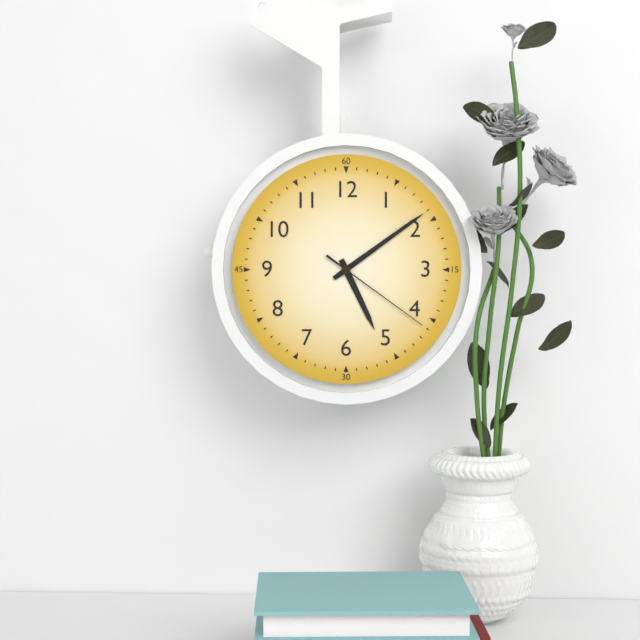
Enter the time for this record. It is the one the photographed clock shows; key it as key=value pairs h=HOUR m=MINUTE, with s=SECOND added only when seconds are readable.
h=5 m=9 s=21
